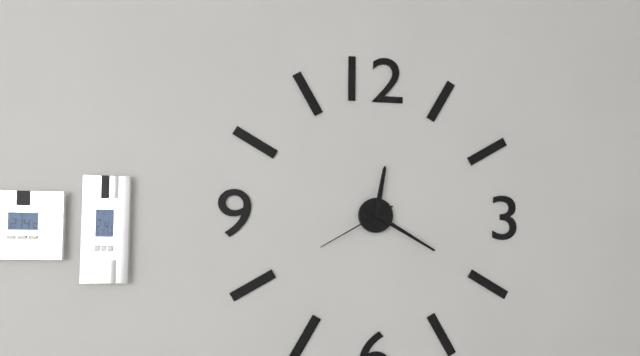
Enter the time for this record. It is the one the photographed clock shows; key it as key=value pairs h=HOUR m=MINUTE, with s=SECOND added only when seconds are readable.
h=12 m=20 s=40
